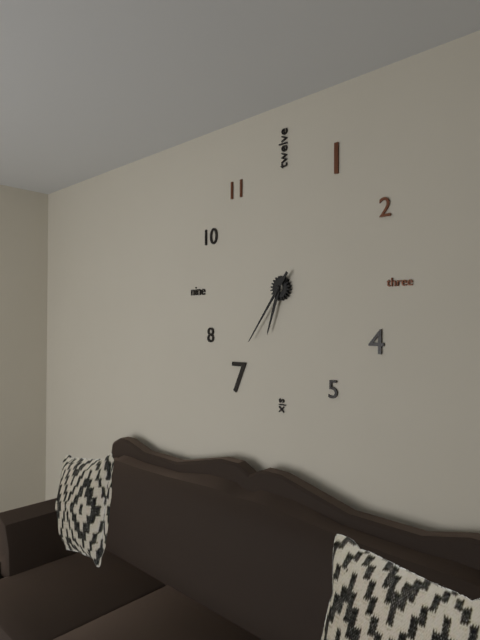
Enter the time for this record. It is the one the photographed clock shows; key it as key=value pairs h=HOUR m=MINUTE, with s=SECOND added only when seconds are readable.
h=6 m=36
